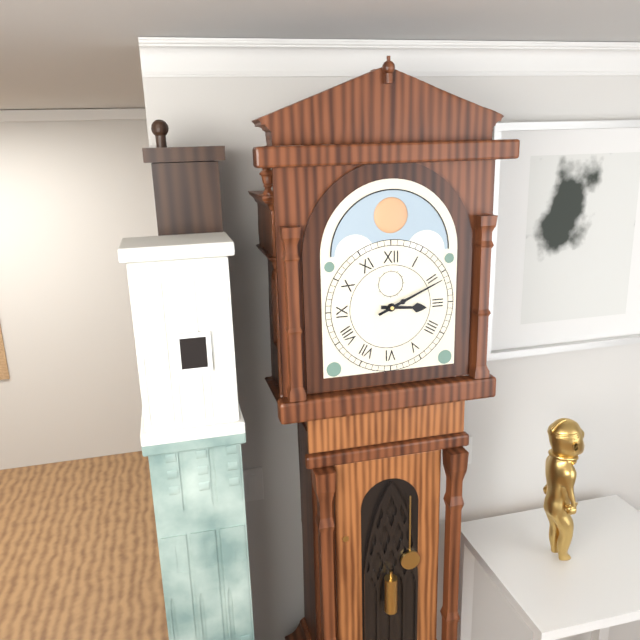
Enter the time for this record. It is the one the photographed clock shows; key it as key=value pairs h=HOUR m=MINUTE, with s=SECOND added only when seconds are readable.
h=3 m=11
